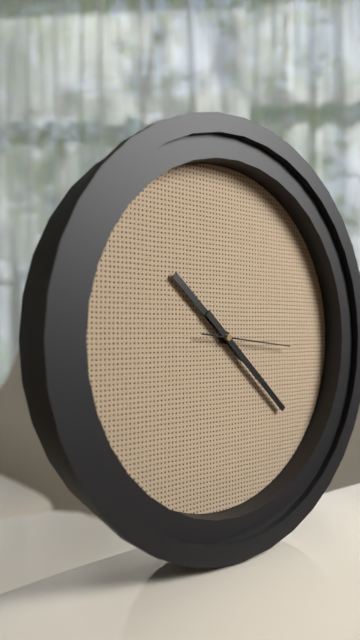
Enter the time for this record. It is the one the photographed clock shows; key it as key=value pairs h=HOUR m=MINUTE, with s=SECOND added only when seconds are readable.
h=10 m=22 s=16
